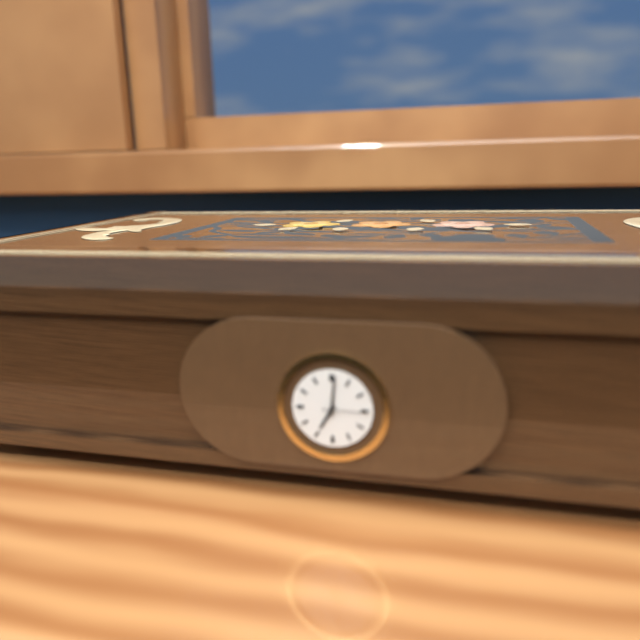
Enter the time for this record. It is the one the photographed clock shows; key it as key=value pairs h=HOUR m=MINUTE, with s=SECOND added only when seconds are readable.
h=7 m=1 s=15
